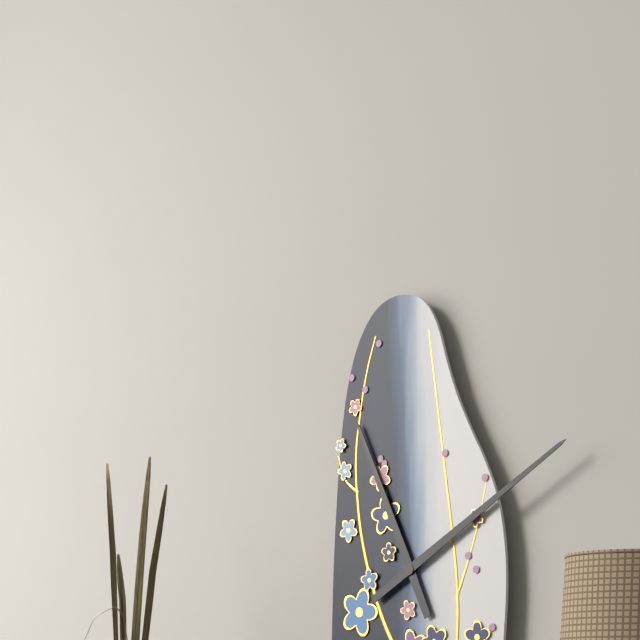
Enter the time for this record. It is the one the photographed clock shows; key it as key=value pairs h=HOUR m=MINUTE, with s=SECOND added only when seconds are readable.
h=11 m=10
